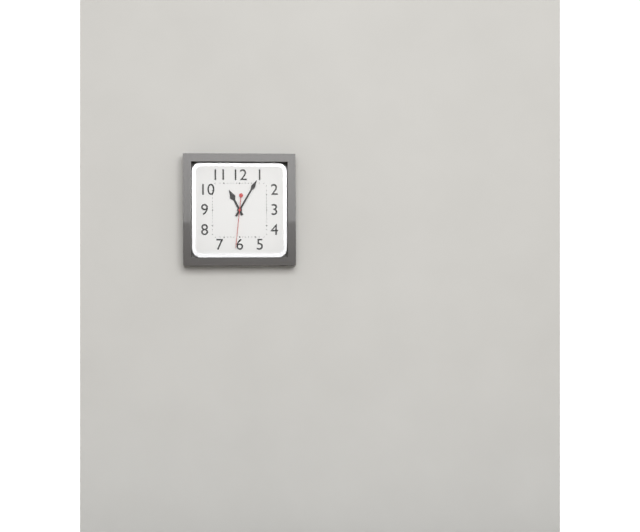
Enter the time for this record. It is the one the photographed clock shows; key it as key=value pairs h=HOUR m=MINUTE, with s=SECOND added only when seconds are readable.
h=11 m=5
